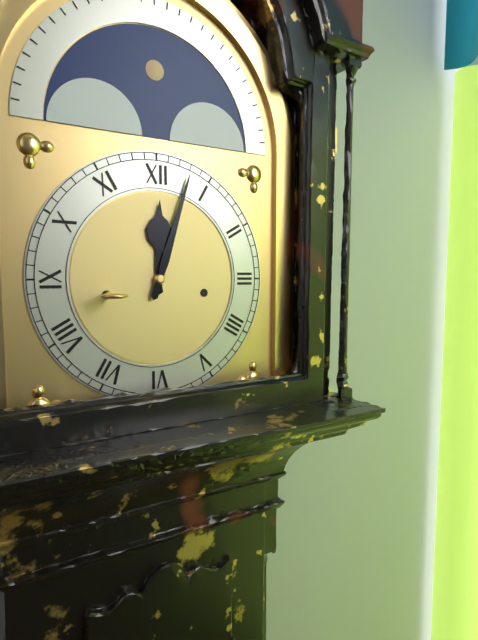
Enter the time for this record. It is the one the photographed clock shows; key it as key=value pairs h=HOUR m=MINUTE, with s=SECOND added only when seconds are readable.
h=12 m=3
